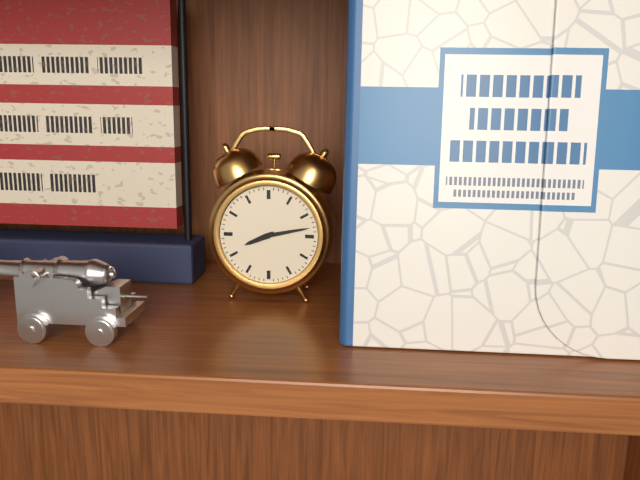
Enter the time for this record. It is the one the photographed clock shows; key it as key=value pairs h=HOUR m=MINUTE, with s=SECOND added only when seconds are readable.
h=8 m=13
